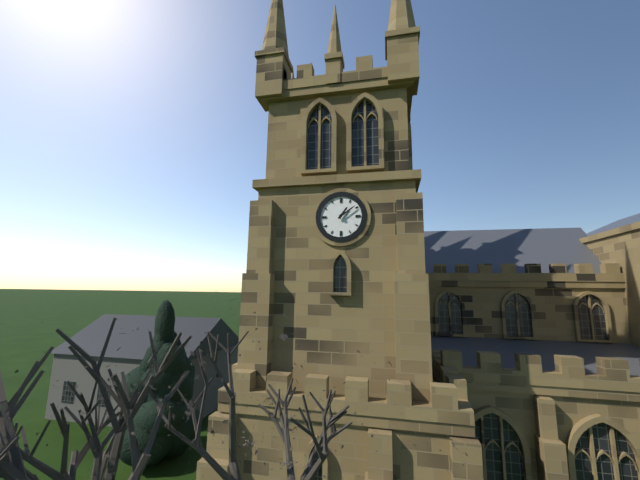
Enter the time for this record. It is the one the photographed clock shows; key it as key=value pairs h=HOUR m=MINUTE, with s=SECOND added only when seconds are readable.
h=1 m=9
